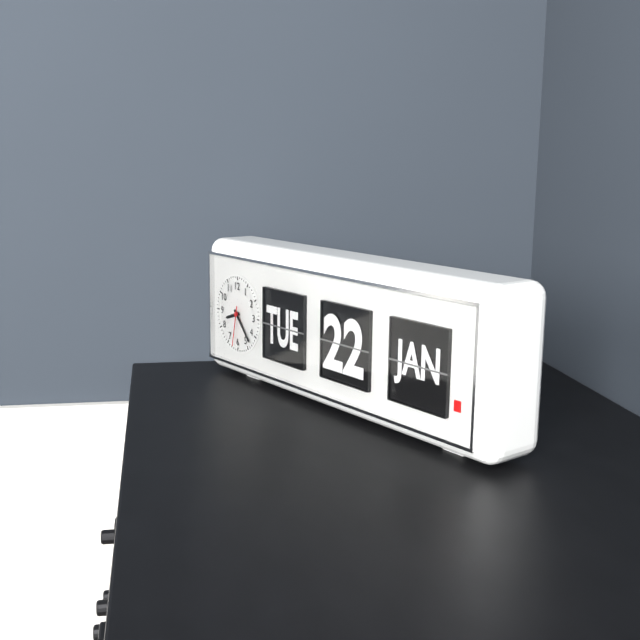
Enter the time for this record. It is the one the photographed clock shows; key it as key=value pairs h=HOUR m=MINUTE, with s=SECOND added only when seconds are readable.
h=8 m=23 s=32
